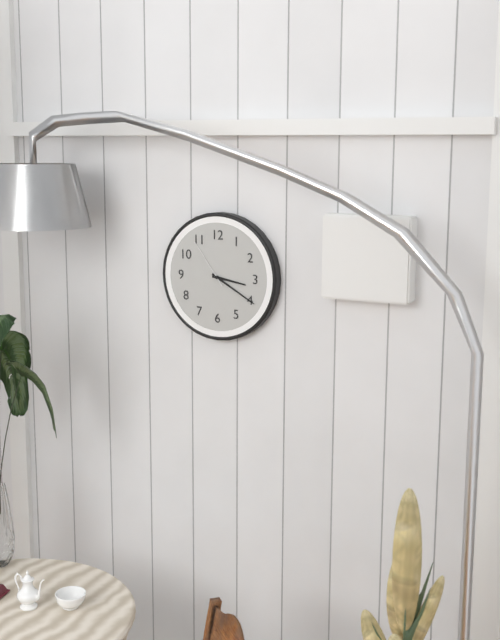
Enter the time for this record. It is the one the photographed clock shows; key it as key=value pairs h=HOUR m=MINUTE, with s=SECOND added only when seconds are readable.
h=3 m=20 s=54
